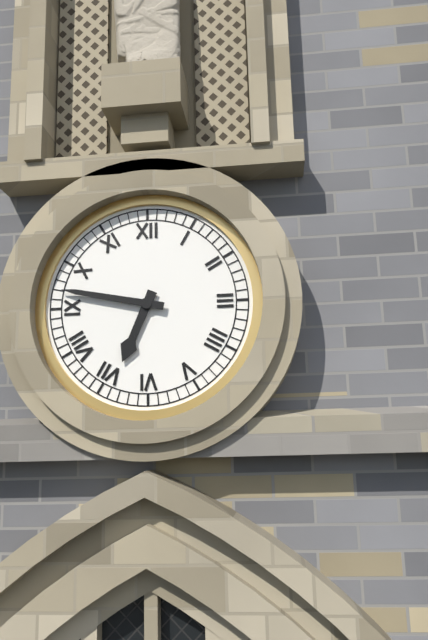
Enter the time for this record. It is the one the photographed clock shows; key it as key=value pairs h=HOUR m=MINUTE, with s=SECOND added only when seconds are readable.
h=6 m=47
